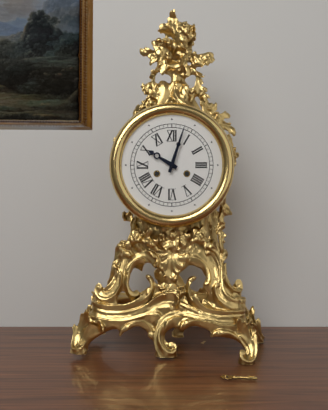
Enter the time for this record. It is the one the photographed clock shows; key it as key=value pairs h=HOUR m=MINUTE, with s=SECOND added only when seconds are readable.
h=10 m=3
